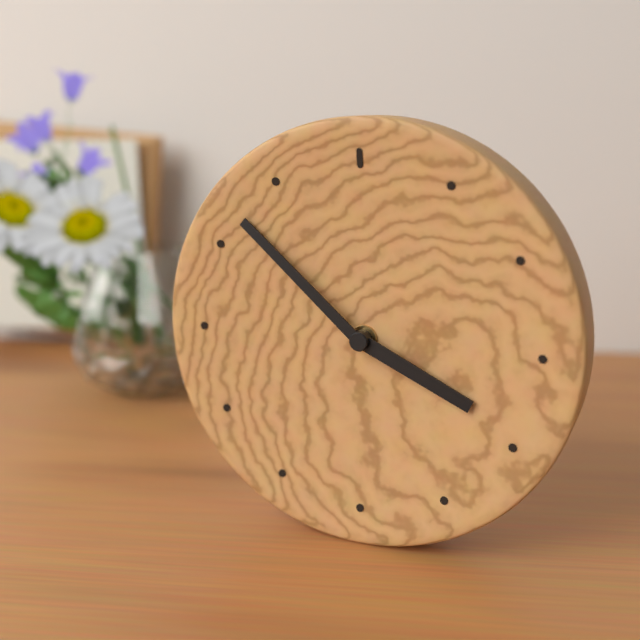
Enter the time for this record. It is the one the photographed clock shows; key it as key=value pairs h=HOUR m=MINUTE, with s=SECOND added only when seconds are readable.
h=3 m=52
